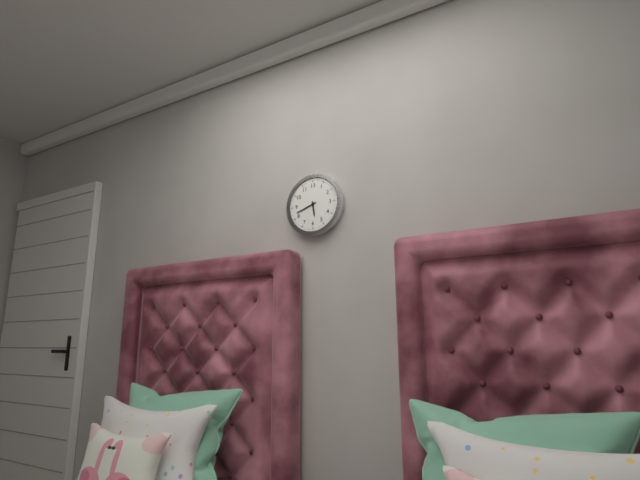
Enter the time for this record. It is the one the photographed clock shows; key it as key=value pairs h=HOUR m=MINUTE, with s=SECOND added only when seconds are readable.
h=5 m=42
